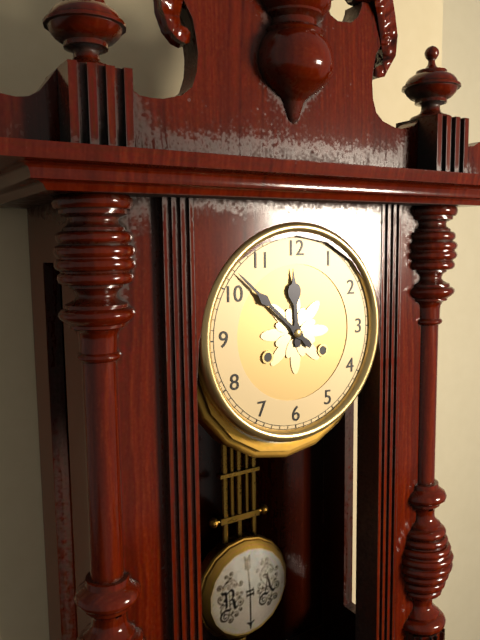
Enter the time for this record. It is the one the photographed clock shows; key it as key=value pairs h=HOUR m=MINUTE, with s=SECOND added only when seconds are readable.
h=11 m=52
